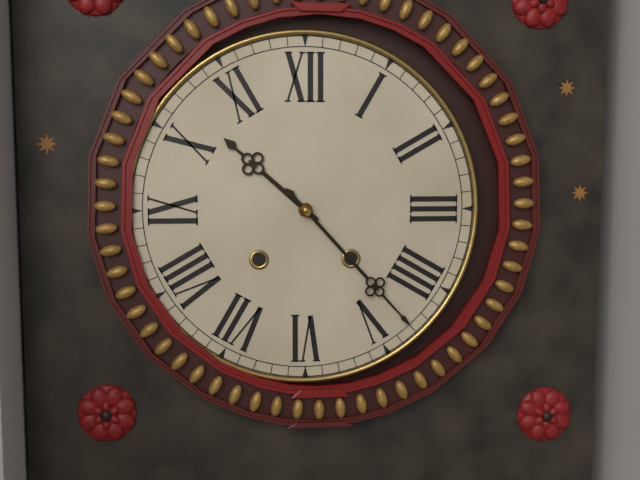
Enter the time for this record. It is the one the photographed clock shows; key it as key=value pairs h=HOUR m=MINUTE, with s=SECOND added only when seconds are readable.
h=10 m=23
